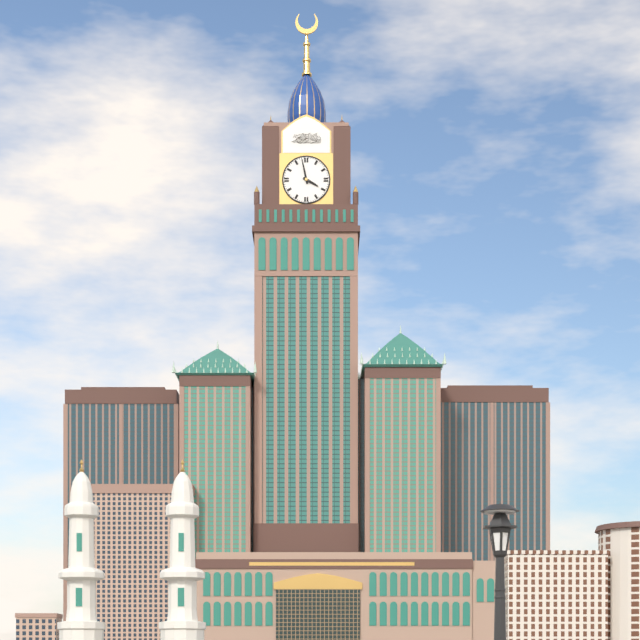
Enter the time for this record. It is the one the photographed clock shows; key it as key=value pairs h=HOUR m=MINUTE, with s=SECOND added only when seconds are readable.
h=3 m=58
